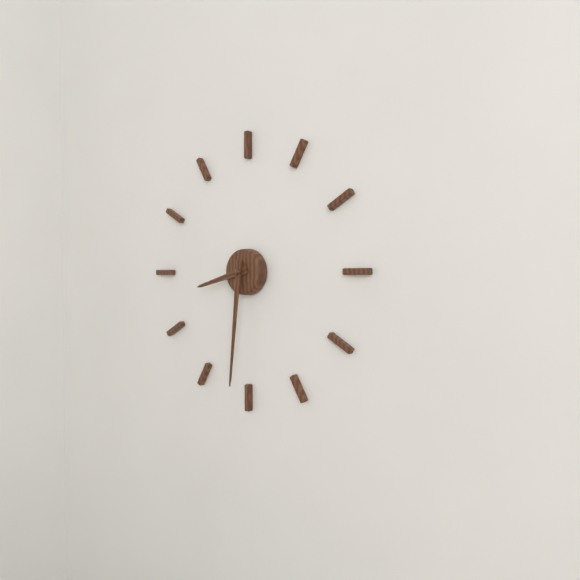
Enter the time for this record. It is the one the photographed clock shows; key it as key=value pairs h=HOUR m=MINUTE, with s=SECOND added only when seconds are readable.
h=8 m=31
